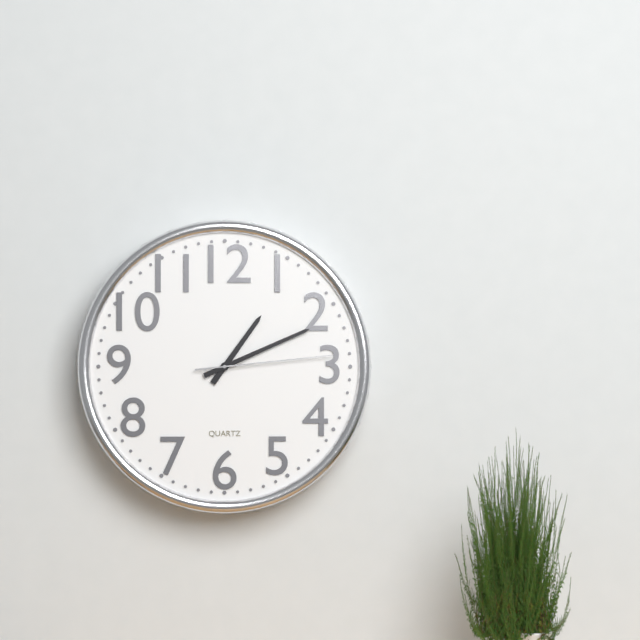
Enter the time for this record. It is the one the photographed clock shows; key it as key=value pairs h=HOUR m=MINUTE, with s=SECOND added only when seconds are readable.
h=1 m=11 s=14
